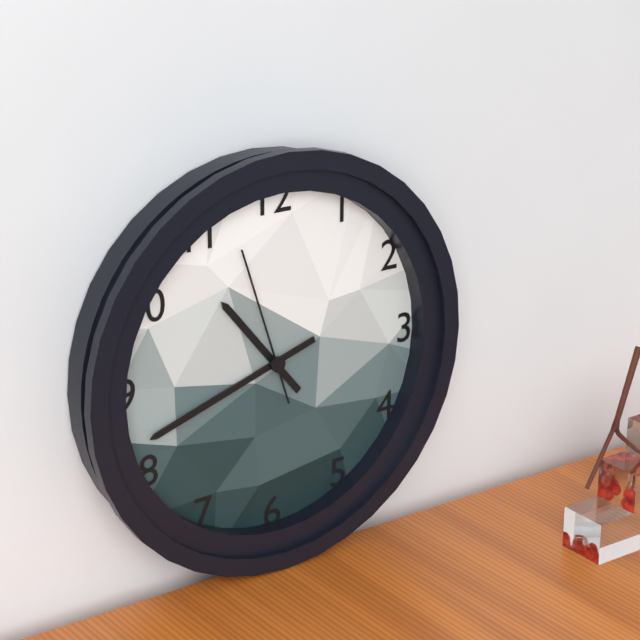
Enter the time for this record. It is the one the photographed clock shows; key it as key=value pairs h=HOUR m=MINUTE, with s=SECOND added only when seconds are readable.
h=10 m=42 s=57
